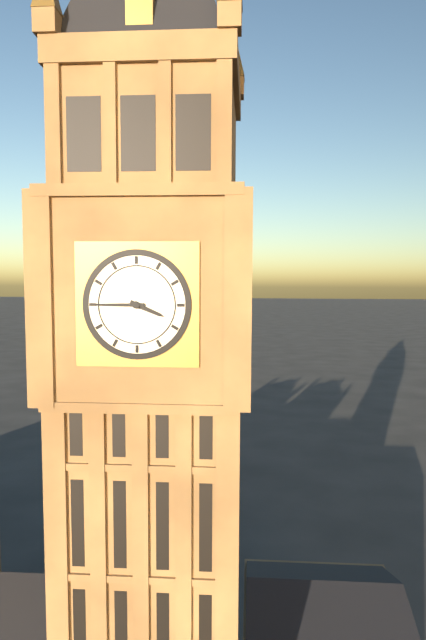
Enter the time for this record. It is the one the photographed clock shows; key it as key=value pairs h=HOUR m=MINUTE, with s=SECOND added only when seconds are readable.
h=3 m=45
